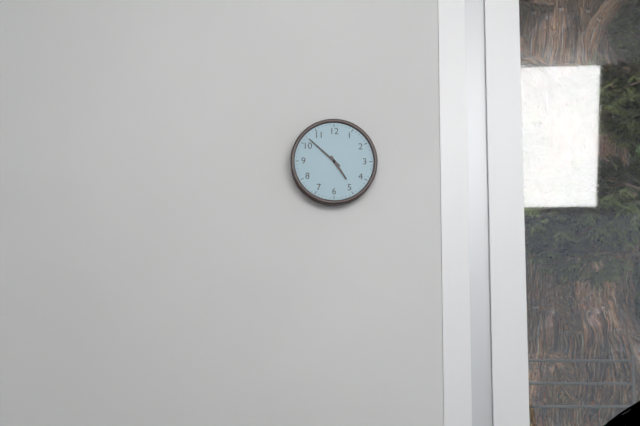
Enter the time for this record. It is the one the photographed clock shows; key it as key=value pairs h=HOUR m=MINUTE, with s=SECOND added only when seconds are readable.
h=4 m=52
